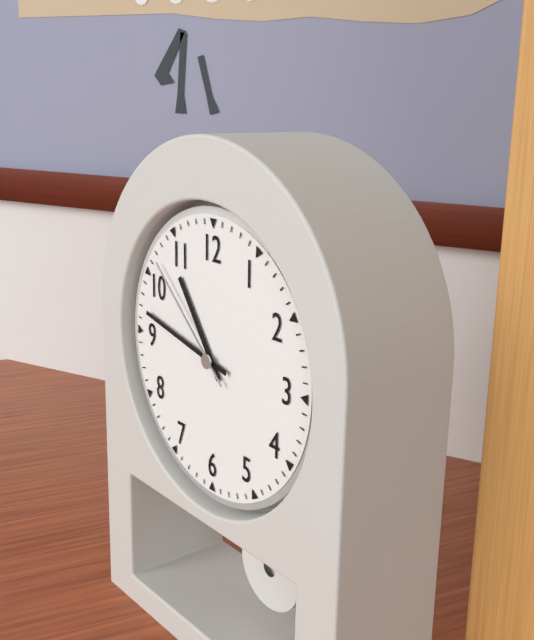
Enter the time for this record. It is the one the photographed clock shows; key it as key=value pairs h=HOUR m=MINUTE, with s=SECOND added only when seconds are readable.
h=10 m=47 s=52
